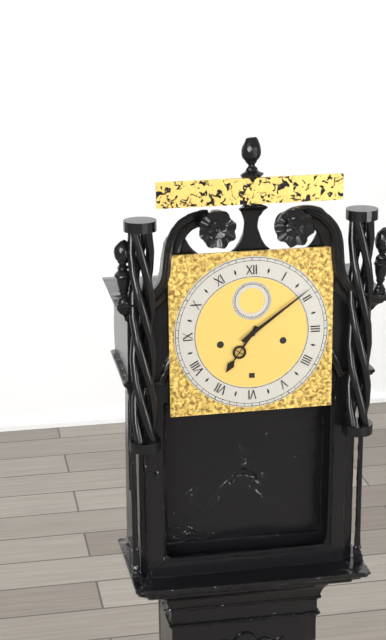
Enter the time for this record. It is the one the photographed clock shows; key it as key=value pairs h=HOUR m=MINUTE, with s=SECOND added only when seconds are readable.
h=7 m=9
